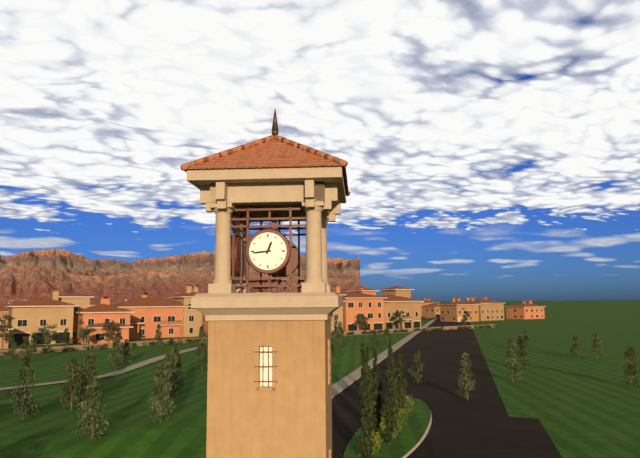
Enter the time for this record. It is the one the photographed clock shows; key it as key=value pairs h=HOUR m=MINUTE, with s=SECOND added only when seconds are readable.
h=12 m=44
